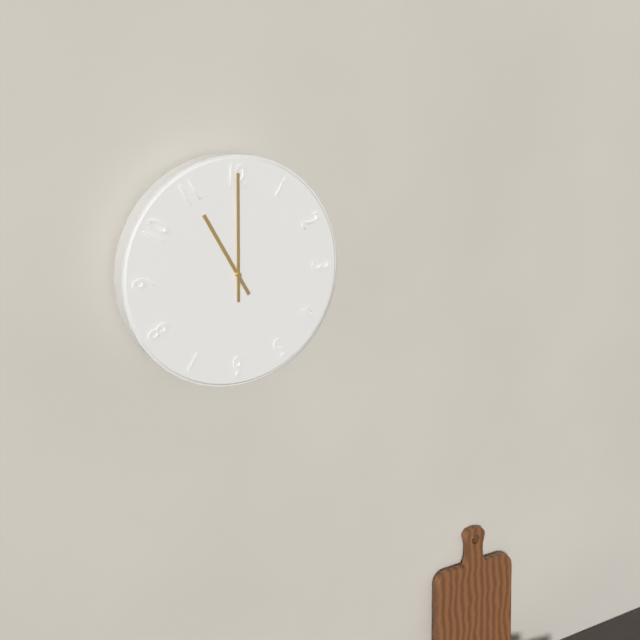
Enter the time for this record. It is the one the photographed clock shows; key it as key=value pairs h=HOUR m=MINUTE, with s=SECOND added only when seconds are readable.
h=11 m=0
